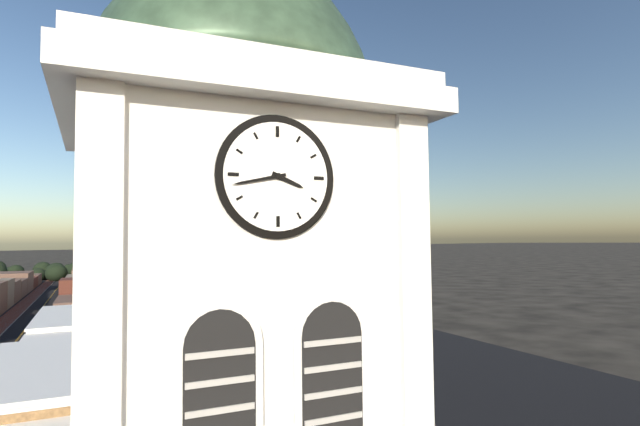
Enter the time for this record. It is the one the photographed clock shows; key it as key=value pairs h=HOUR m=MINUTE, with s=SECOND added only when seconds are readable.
h=3 m=43
